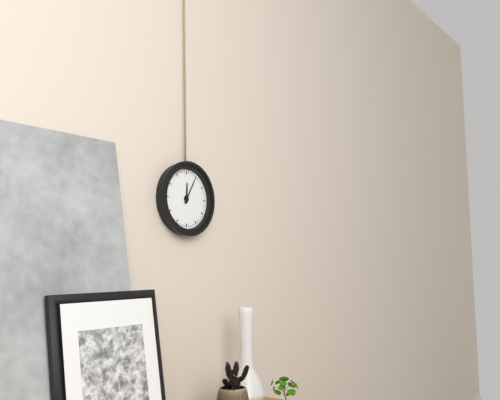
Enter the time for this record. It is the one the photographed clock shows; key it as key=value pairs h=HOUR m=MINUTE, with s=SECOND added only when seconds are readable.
h=12 m=5
